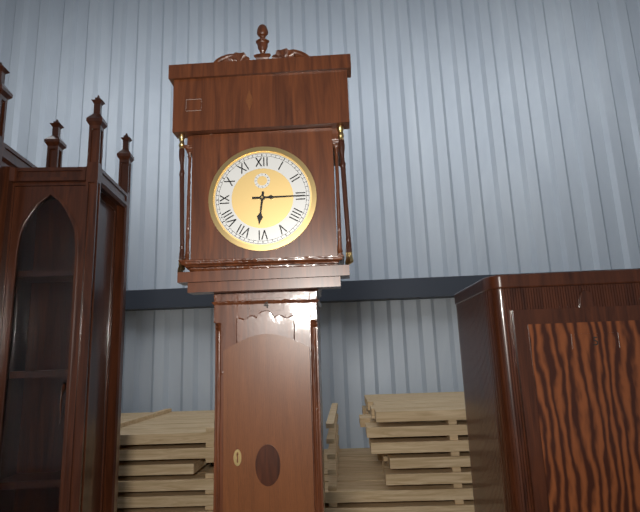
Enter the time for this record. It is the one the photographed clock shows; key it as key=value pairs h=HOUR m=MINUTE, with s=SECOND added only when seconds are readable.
h=6 m=15
